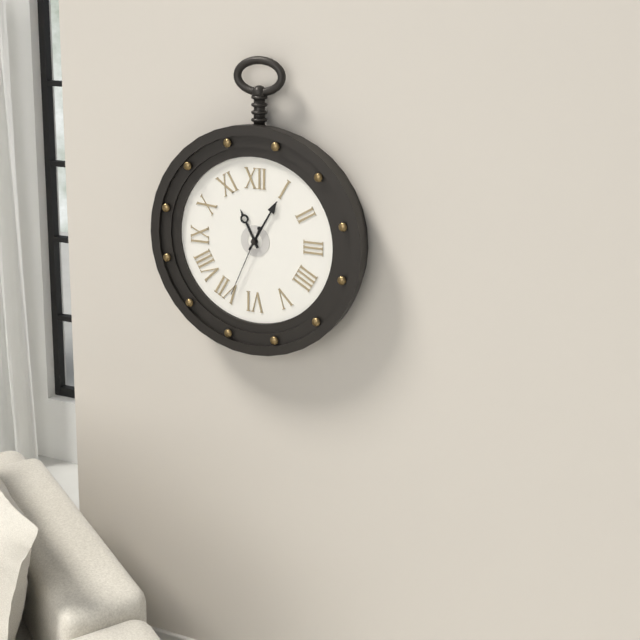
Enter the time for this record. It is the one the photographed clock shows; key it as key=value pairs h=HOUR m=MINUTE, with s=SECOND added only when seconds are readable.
h=11 m=5 s=34
